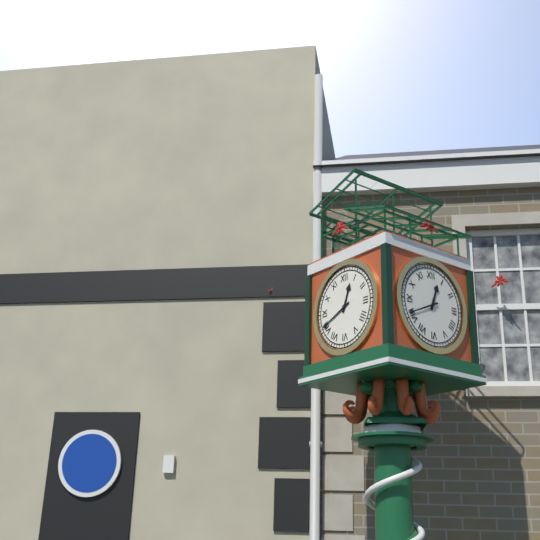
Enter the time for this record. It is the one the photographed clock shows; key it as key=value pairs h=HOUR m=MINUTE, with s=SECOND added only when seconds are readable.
h=12 m=41
